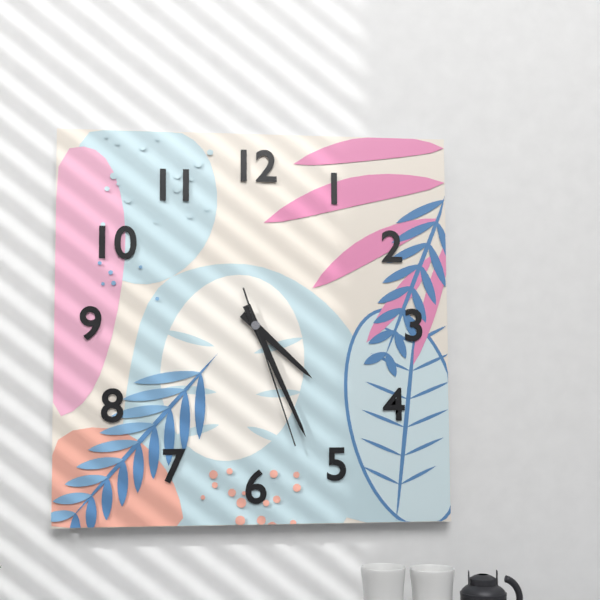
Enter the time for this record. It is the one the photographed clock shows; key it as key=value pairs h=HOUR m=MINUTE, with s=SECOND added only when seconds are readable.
h=4 m=26 s=27
